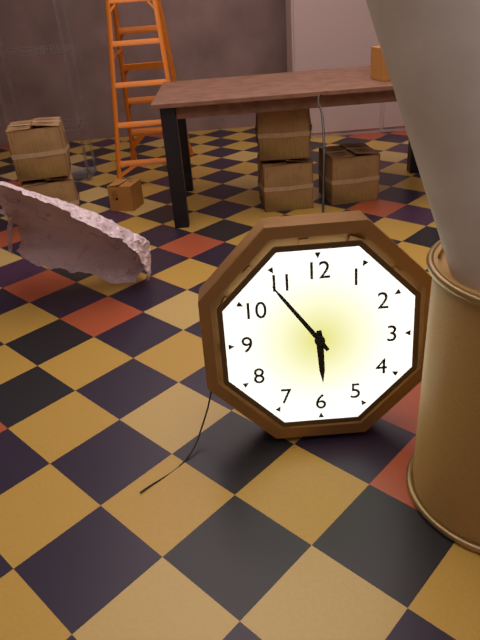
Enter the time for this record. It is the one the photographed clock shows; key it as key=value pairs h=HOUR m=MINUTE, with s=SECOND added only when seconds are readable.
h=5 m=54
